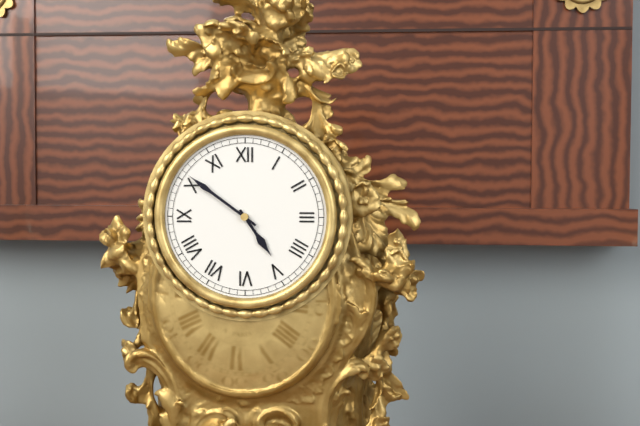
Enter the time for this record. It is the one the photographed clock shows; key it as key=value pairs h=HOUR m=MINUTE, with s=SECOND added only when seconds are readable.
h=4 m=51
